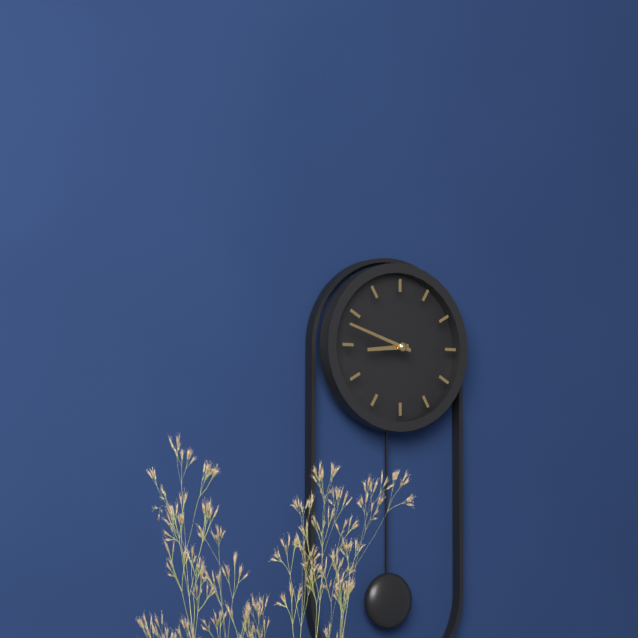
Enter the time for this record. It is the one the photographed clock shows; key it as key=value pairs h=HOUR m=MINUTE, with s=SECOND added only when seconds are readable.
h=8 m=48
